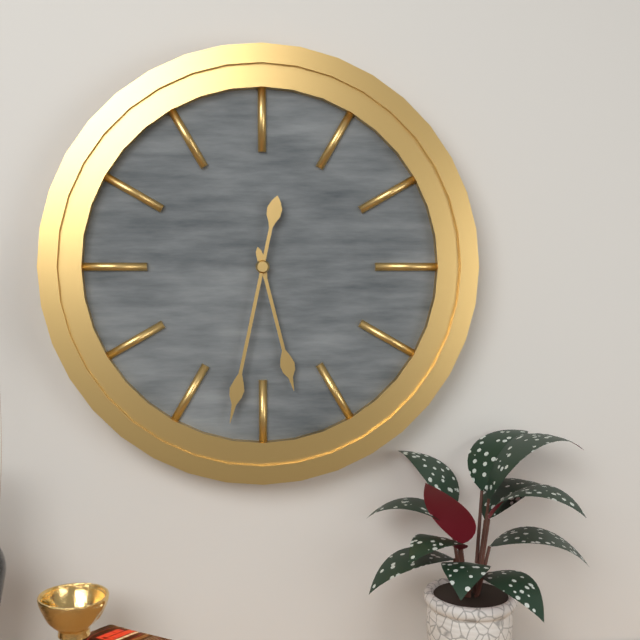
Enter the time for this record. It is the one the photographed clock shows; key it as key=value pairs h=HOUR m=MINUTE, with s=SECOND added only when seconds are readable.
h=5 m=32
